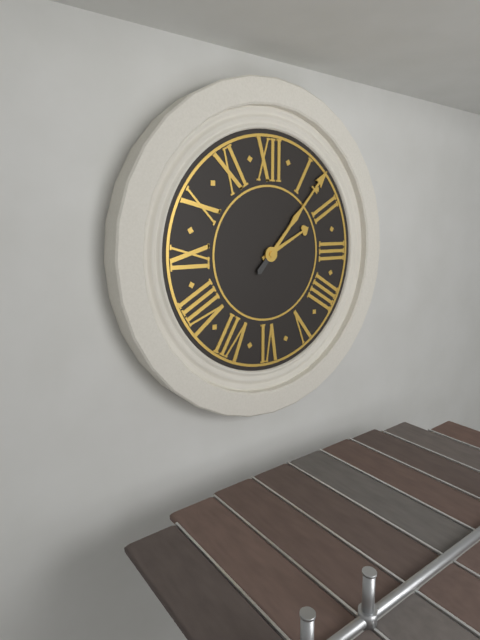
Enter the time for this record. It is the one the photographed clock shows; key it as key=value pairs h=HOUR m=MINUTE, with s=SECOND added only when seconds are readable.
h=2 m=7
